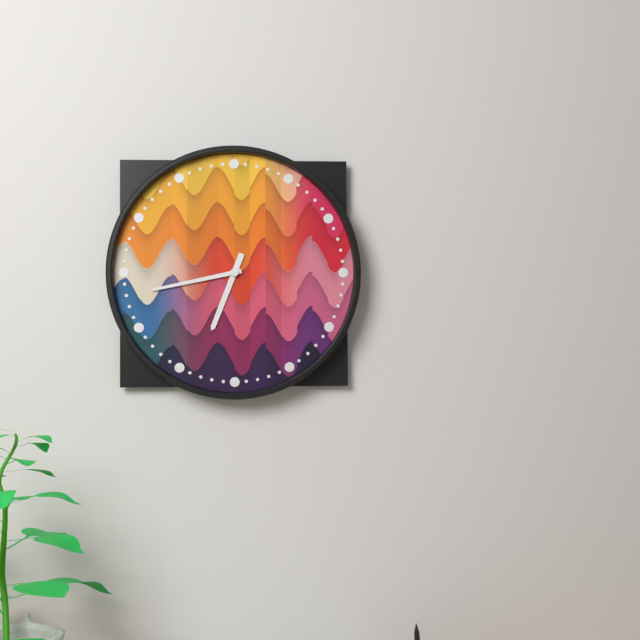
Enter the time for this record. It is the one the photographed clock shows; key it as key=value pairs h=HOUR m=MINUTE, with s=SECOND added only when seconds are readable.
h=6 m=43
